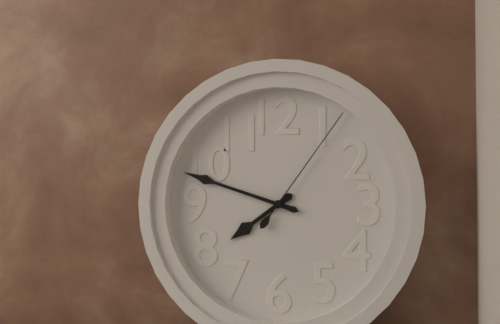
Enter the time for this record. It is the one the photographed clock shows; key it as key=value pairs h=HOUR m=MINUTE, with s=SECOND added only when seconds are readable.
h=7 m=48 s=6
